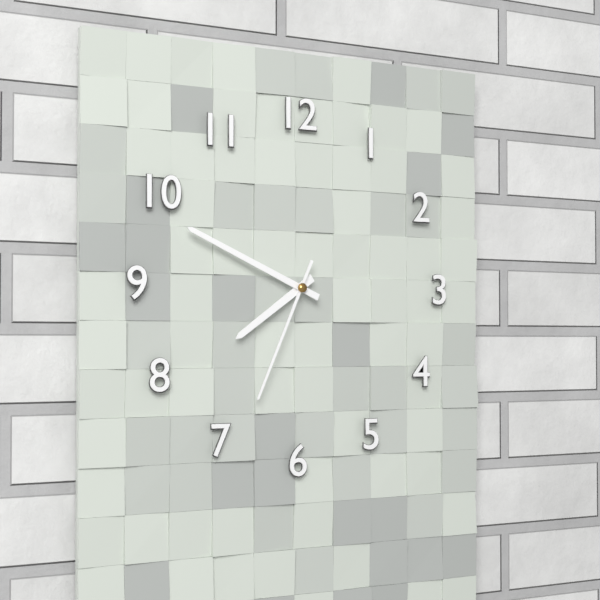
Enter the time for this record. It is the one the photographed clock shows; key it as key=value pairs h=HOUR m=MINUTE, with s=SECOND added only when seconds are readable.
h=7 m=49 s=34
